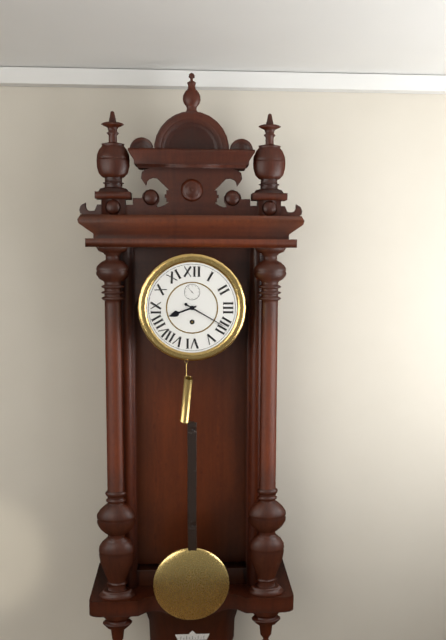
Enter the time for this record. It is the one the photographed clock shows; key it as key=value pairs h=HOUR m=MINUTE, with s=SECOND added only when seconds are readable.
h=8 m=20
